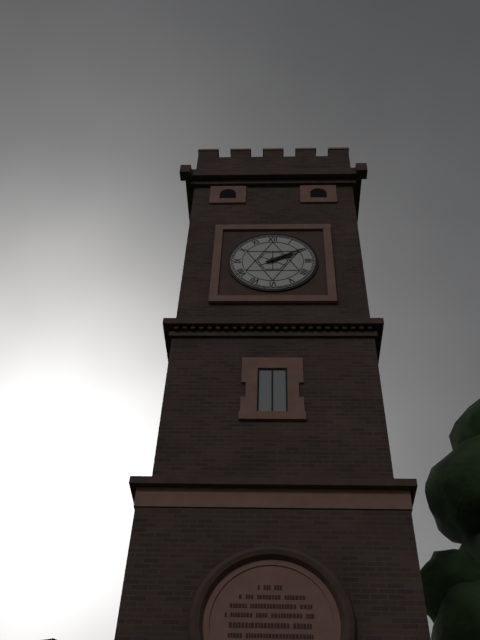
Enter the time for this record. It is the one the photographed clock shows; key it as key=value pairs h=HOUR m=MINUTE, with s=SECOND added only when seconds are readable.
h=2 m=10
